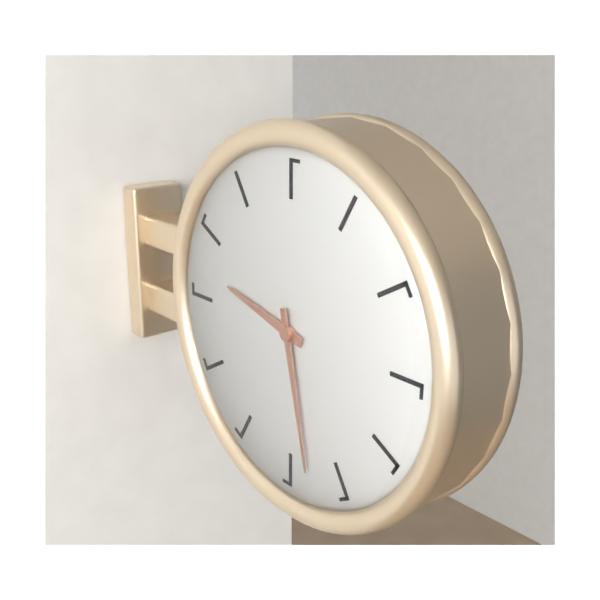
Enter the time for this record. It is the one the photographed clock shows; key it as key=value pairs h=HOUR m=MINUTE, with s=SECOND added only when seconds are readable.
h=9 m=28
